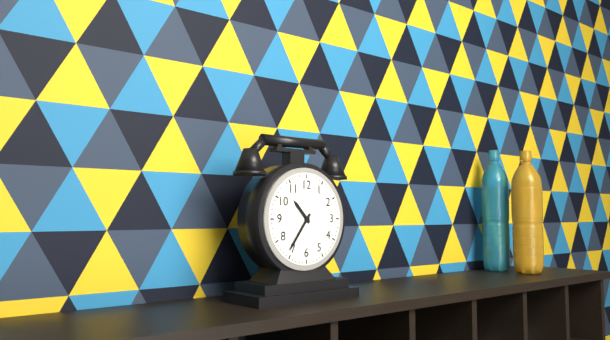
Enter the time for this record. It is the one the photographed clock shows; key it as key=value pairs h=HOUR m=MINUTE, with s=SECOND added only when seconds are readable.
h=10 m=36
